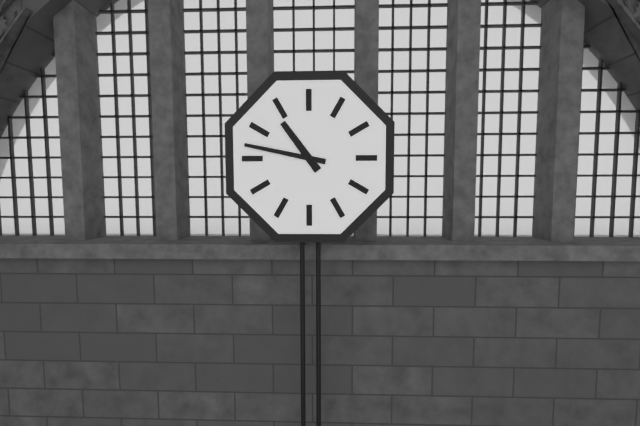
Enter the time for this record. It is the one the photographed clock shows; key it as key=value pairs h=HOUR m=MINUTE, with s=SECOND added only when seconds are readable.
h=10 m=47
